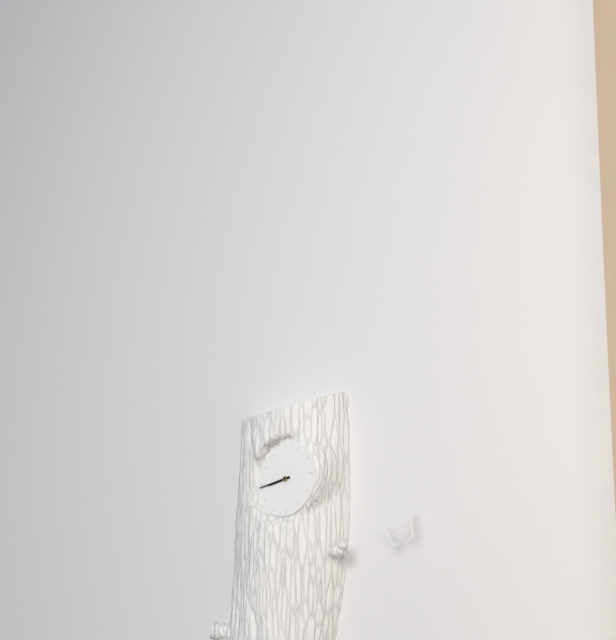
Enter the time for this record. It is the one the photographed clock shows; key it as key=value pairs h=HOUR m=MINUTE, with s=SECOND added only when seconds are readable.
h=8 m=44
